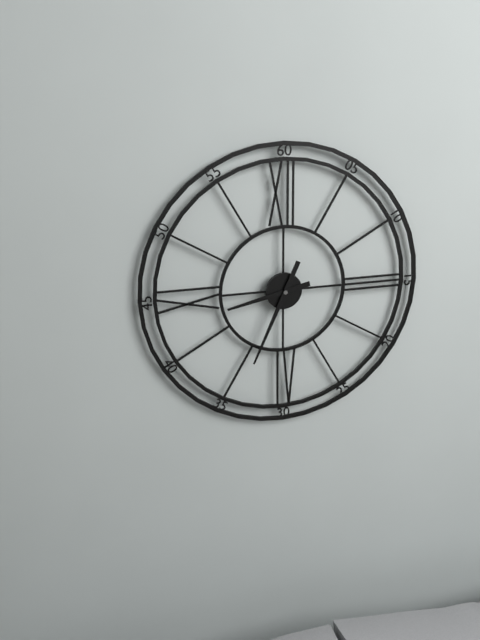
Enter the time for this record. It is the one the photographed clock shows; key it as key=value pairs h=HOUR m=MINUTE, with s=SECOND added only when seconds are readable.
h=8 m=34
